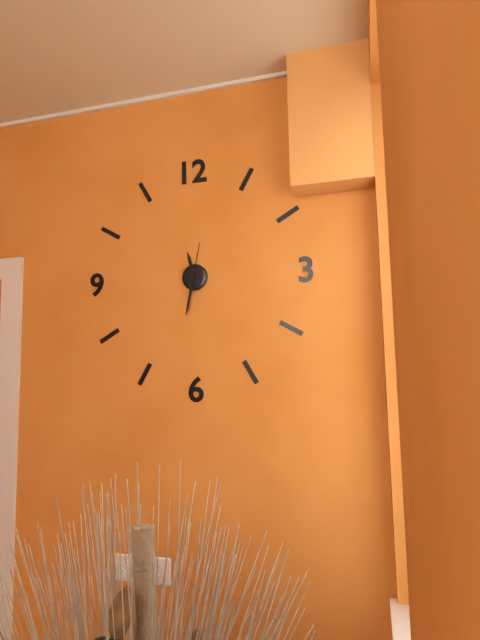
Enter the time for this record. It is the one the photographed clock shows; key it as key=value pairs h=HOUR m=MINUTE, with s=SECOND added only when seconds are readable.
h=11 m=32
